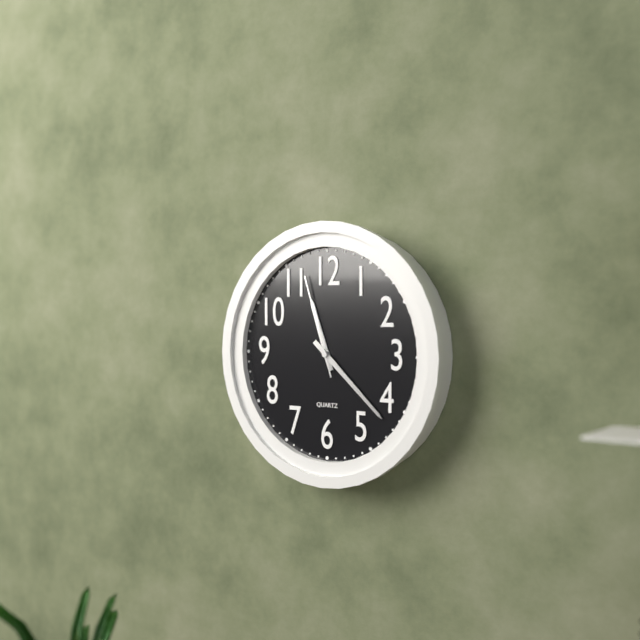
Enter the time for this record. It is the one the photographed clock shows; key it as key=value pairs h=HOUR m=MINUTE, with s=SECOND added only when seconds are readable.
h=11 m=22 s=57
